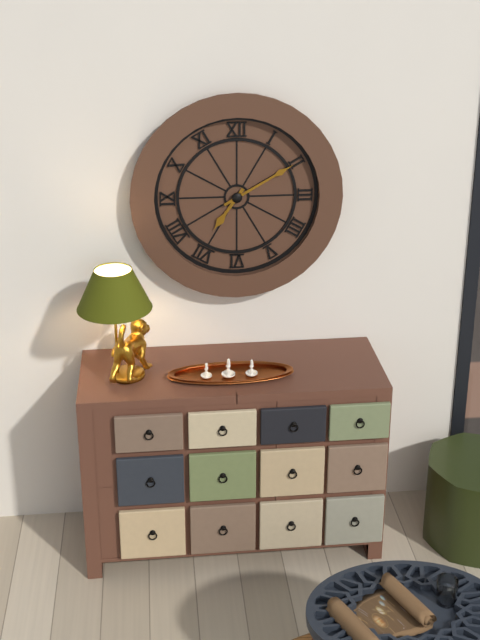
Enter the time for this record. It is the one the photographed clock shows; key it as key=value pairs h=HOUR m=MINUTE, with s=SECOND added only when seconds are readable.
h=7 m=10
